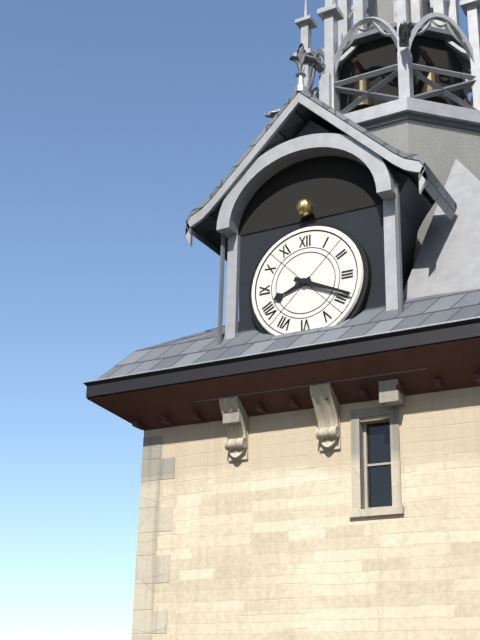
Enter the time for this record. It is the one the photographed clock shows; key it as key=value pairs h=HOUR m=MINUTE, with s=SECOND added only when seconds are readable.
h=8 m=19
